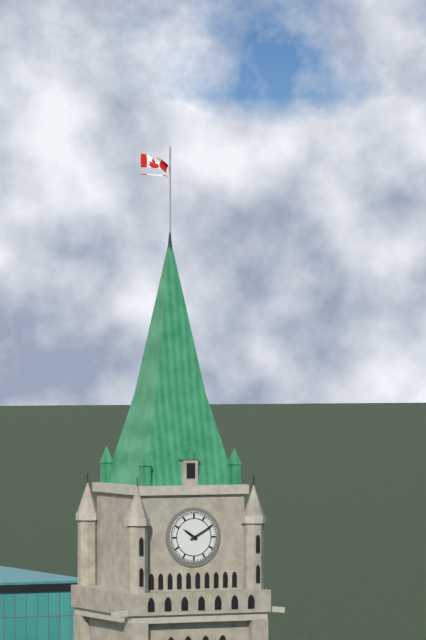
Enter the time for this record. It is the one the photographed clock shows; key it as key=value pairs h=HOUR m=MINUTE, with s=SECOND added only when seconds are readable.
h=10 m=10
